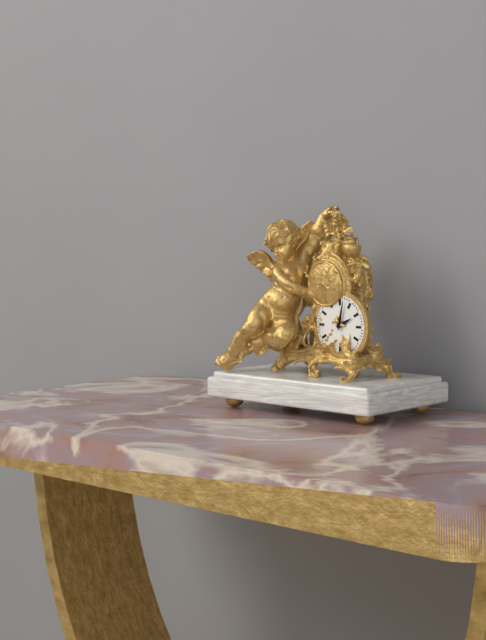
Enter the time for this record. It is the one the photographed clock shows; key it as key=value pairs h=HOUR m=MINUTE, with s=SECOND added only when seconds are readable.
h=2 m=2
